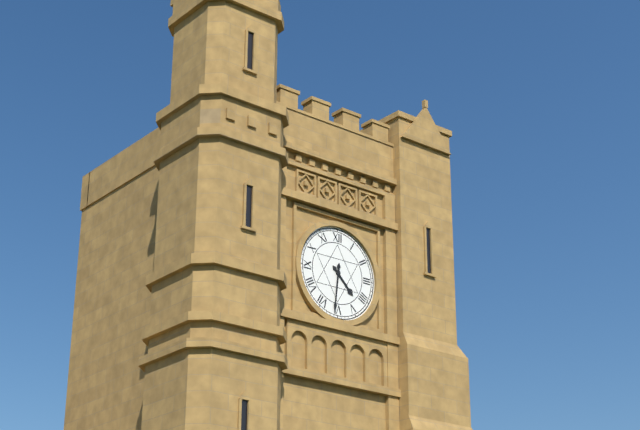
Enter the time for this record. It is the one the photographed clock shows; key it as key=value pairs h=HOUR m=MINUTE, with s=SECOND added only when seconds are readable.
h=4 m=31
